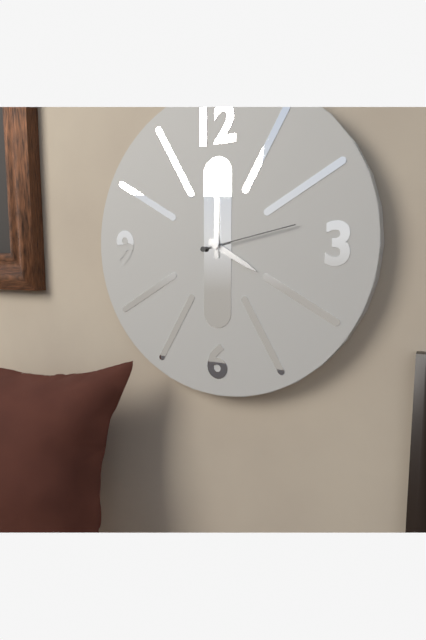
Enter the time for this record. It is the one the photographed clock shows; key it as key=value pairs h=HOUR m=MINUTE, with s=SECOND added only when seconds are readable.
h=4 m=0 s=13
